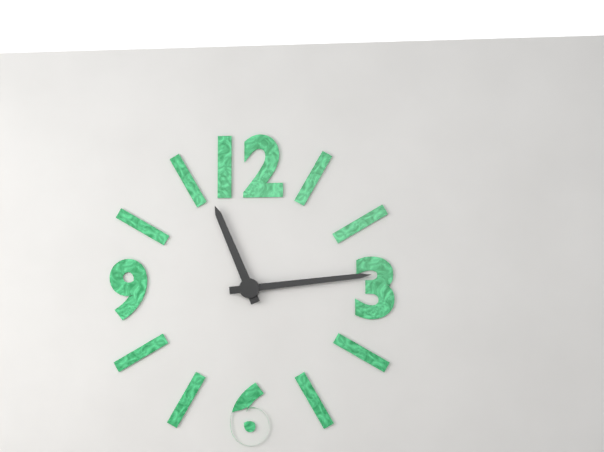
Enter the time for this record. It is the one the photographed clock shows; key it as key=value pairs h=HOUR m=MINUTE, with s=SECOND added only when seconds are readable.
h=11 m=14
